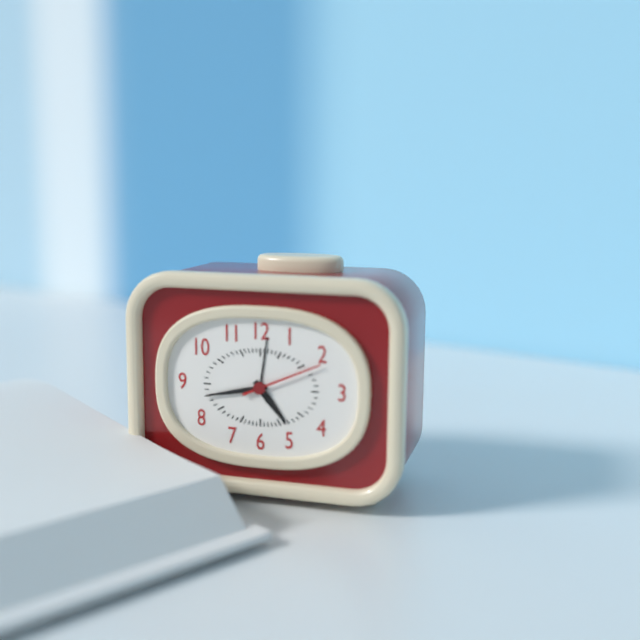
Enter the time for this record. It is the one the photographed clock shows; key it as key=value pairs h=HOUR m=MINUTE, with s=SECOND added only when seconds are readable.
h=4 m=43
